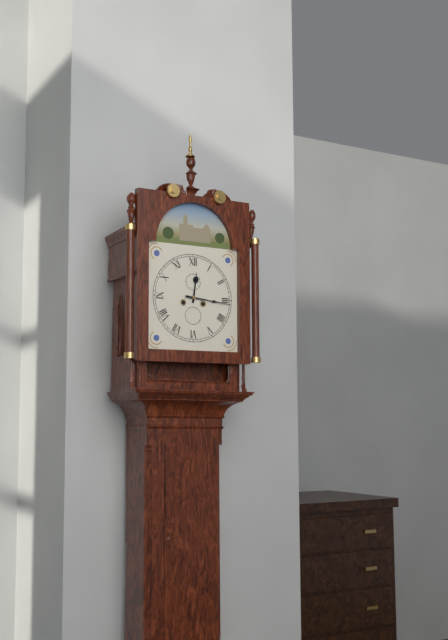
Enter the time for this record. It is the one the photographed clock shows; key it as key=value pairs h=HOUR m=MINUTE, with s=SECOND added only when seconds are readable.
h=12 m=16
